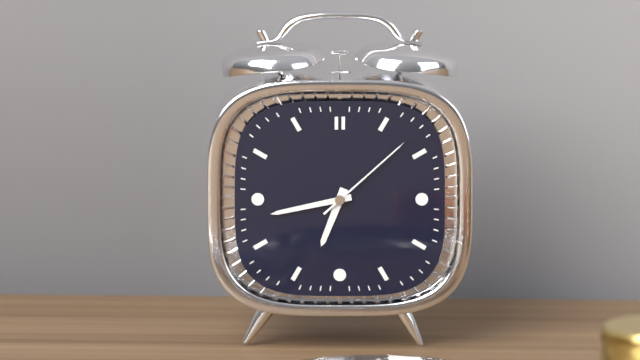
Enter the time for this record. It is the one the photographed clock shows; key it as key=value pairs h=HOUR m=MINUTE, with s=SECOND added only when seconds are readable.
h=6 m=43 s=8
